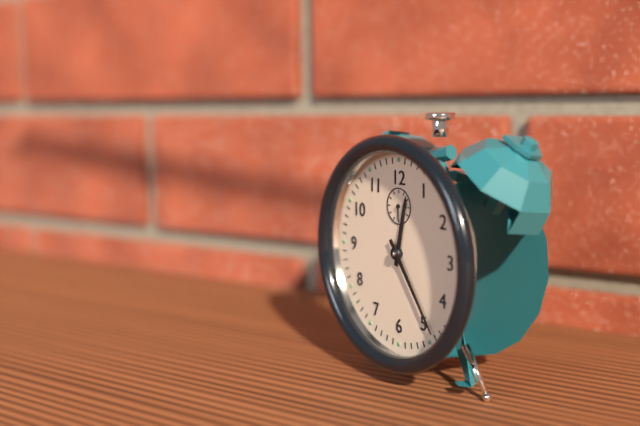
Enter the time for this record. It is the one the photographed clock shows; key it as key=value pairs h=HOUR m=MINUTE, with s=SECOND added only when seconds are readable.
h=12 m=24
